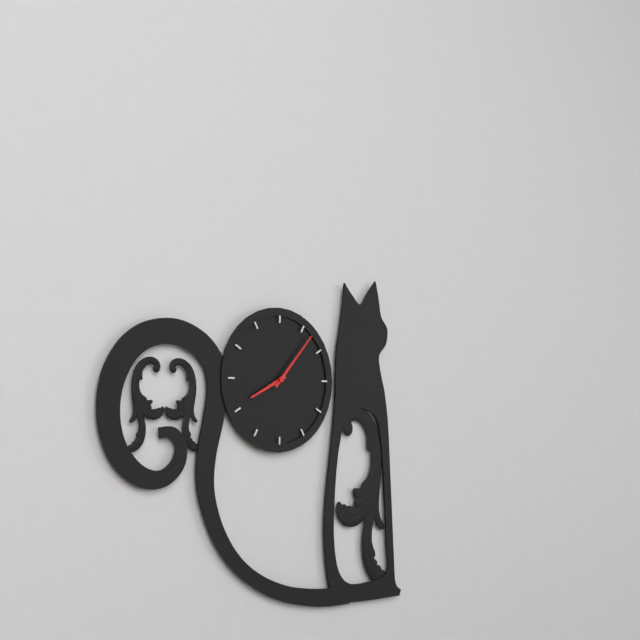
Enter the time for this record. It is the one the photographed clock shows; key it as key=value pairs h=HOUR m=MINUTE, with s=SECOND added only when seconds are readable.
h=8 m=7
